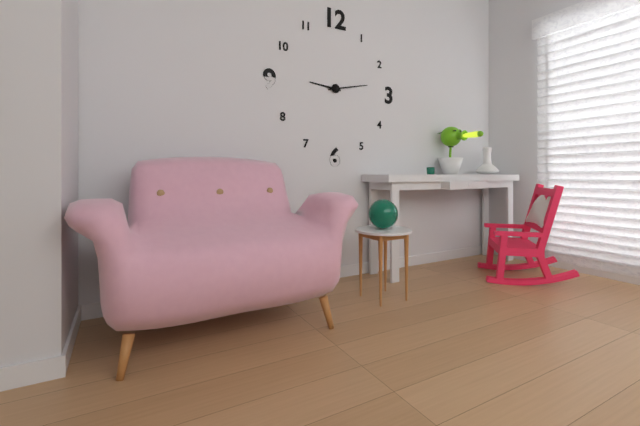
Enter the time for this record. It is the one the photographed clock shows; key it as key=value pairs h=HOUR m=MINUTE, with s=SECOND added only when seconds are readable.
h=9 m=13
